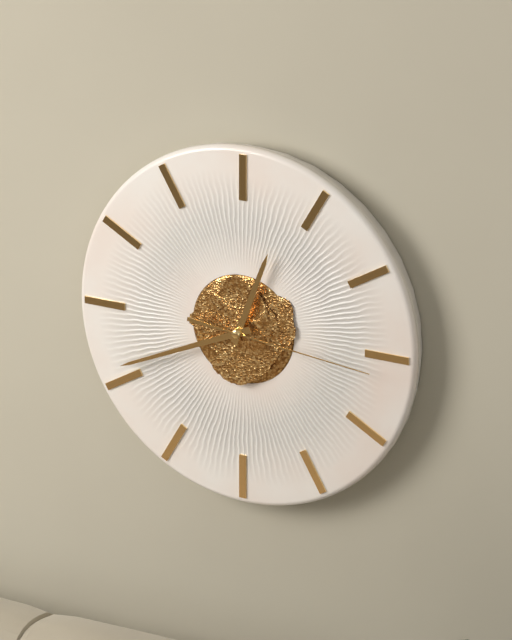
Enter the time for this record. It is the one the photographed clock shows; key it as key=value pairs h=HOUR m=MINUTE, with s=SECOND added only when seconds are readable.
h=12 m=41 s=16
